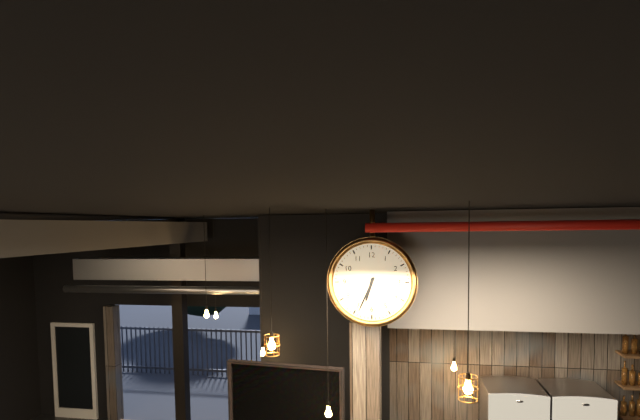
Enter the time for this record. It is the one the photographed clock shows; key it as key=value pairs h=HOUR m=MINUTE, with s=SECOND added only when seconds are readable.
h=6 m=34
